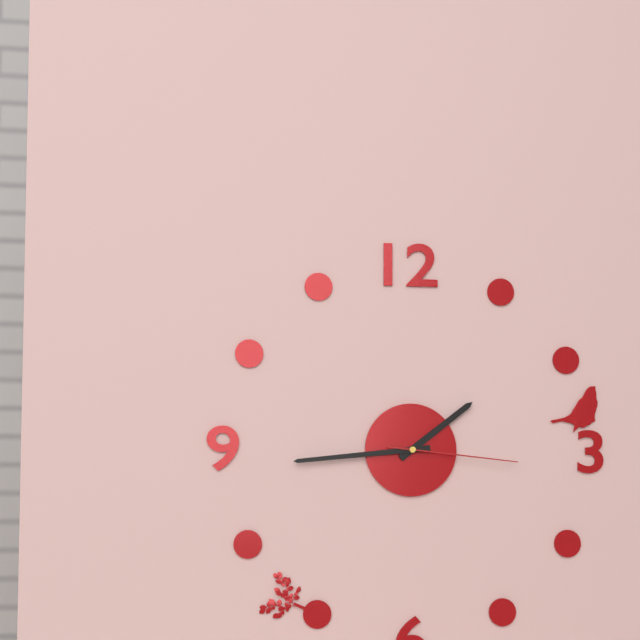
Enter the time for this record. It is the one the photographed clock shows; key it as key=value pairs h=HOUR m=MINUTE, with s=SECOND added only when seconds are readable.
h=1 m=44 s=16
